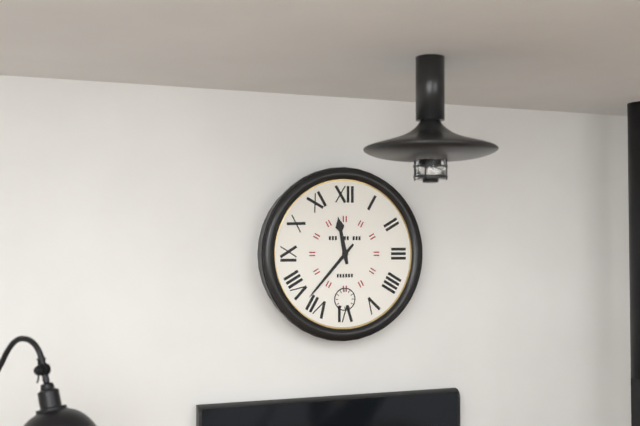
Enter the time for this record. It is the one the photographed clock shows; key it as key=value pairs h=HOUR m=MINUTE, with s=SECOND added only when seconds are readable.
h=11 m=37
